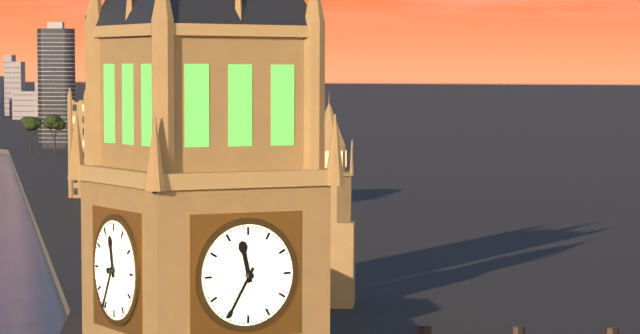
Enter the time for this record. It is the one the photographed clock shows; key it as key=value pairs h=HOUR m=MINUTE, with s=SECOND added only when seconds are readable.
h=11 m=35
